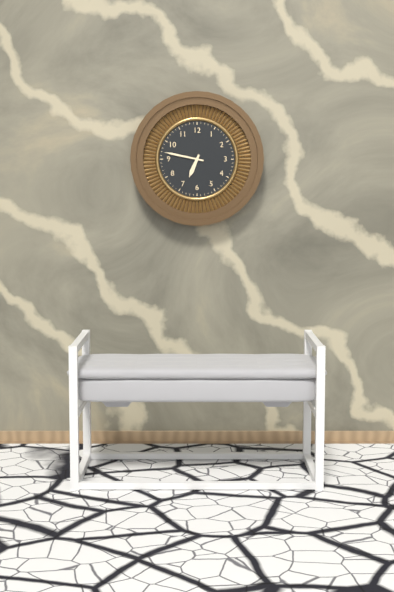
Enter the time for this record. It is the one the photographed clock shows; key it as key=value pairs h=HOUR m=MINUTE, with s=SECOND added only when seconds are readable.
h=6 m=47
